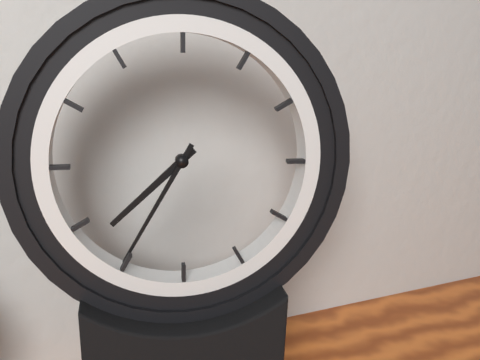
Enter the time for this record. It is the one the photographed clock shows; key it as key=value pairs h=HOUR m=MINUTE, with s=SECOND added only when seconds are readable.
h=7 m=35
